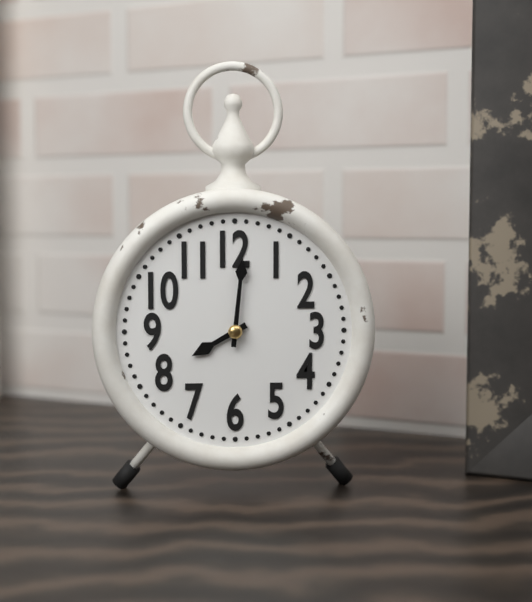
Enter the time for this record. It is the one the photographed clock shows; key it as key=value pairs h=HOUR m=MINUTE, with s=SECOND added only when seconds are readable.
h=8 m=1
